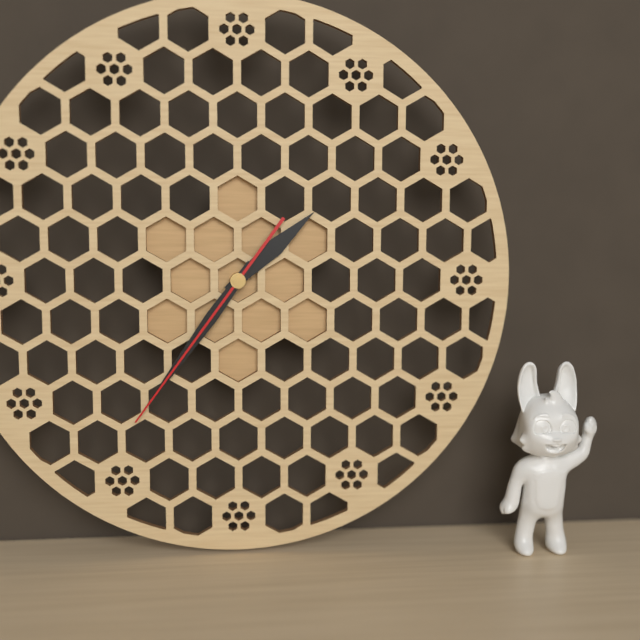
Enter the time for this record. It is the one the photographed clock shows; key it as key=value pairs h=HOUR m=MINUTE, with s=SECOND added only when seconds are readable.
h=1 m=36 s=36
